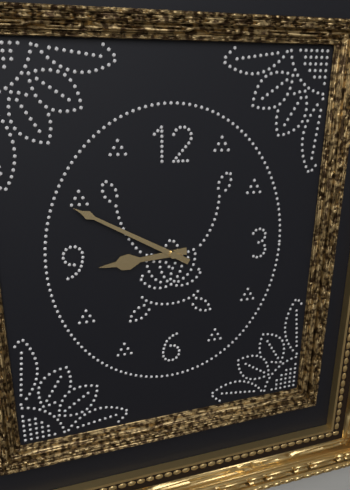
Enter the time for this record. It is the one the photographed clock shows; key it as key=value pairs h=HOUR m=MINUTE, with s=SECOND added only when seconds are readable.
h=8 m=50
